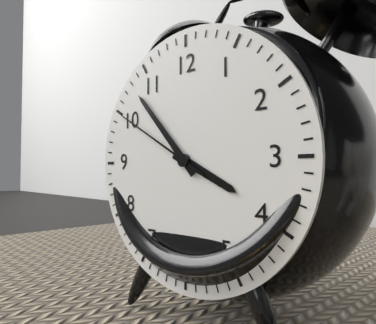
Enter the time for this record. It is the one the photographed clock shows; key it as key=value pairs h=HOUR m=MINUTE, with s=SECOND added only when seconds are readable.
h=3 m=53 s=50
